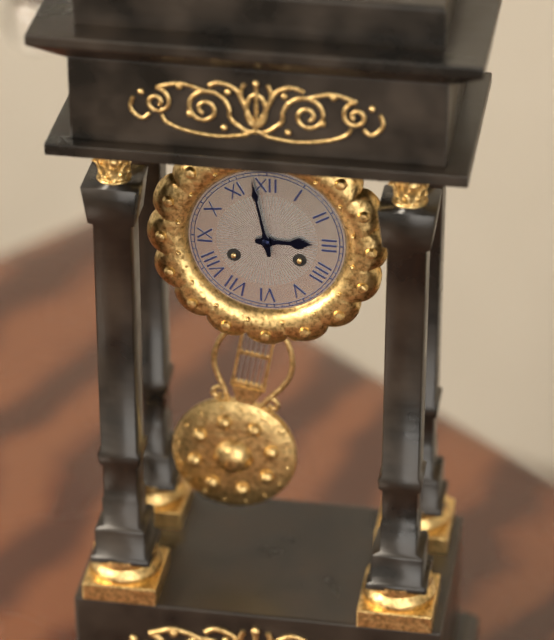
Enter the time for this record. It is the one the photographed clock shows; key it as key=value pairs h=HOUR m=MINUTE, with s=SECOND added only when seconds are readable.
h=2 m=58
